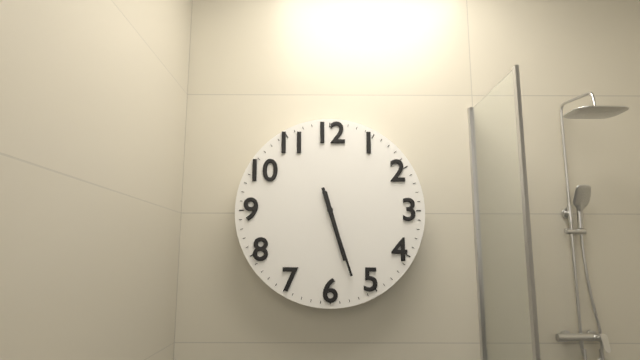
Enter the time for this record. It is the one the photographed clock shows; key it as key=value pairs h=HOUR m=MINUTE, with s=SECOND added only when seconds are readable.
h=5 m=27
